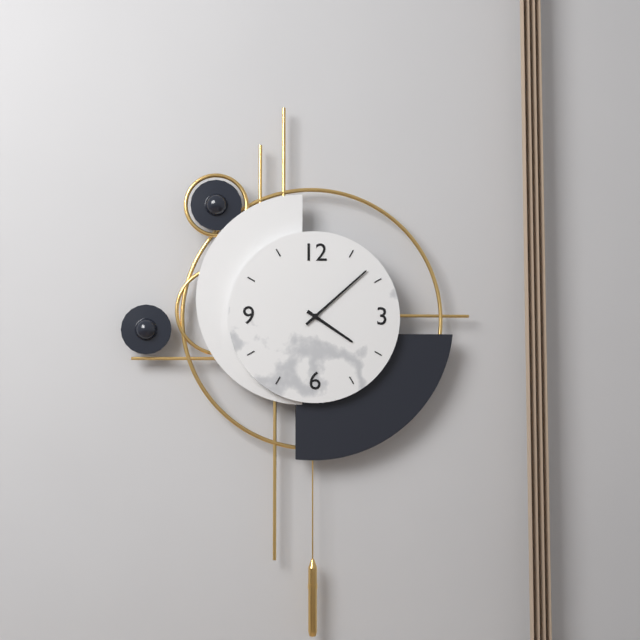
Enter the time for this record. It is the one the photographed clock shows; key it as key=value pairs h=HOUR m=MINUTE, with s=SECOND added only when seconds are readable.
h=4 m=8
